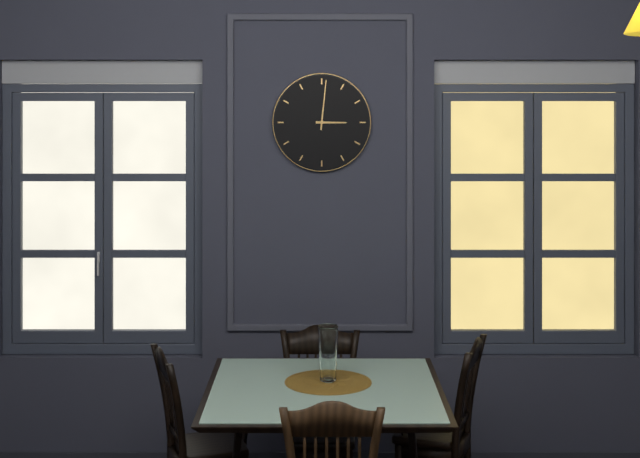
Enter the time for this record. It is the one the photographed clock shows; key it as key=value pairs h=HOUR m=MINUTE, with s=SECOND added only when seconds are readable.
h=3 m=1
